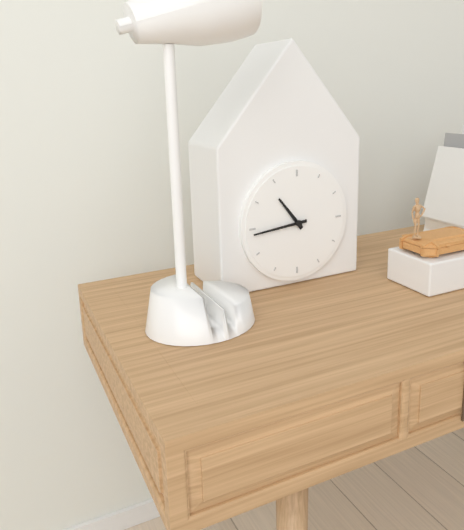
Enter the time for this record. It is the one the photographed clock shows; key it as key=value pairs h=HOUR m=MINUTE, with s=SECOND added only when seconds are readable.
h=10 m=44
